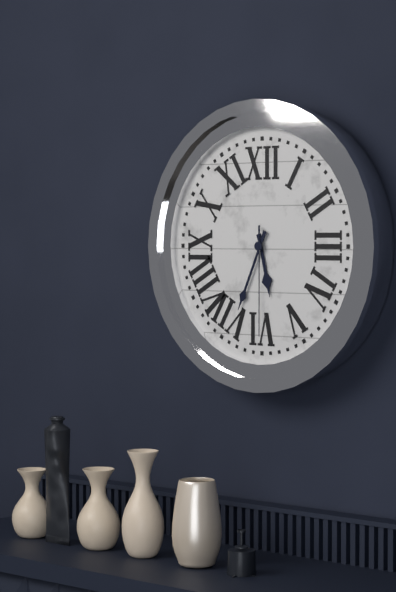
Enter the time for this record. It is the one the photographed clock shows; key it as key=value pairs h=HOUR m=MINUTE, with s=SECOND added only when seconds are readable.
h=5 m=34 s=30
